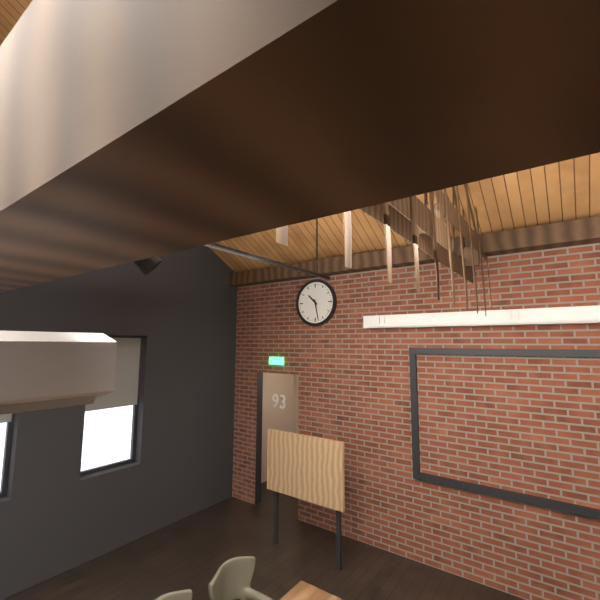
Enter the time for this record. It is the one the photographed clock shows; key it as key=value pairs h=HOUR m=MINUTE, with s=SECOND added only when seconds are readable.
h=10 m=28
